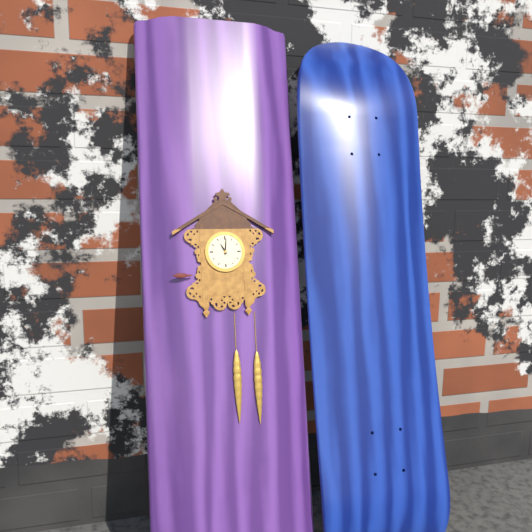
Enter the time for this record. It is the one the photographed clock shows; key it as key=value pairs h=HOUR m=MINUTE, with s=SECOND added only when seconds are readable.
h=11 m=1
